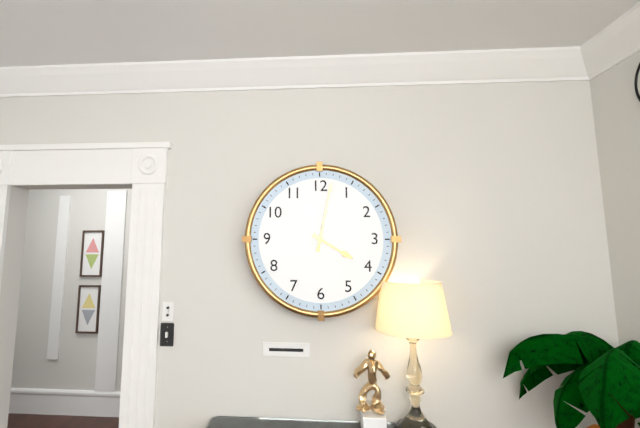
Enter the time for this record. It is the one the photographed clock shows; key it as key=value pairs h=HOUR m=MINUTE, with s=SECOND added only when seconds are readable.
h=4 m=2
